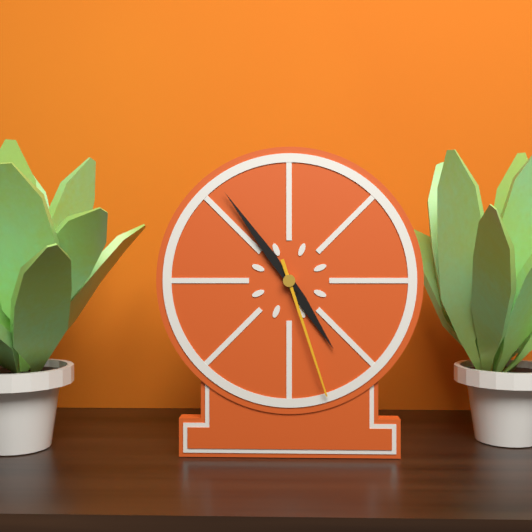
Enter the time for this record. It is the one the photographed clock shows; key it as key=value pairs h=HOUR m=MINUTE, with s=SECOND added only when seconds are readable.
h=4 m=54 s=27
